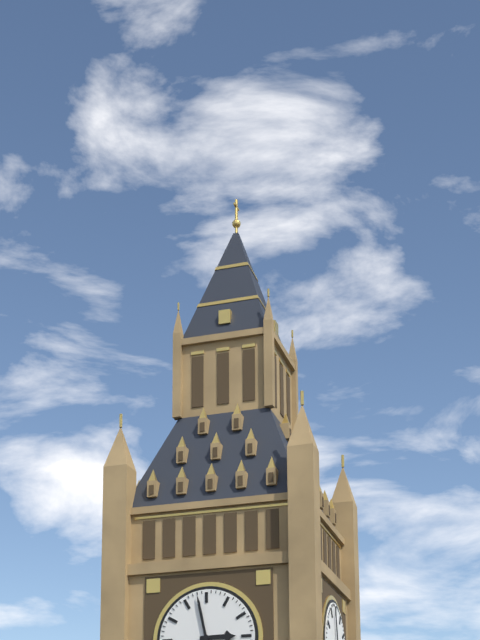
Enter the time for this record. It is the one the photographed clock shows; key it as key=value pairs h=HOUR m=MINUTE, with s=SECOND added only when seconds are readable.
h=2 m=58
